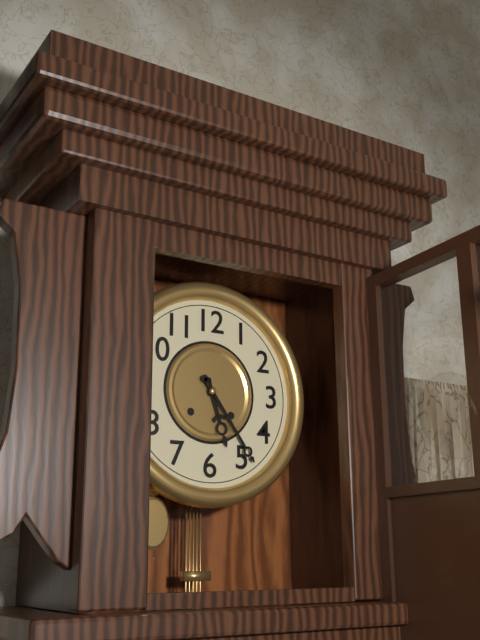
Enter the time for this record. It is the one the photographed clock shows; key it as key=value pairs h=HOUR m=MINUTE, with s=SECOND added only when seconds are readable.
h=5 m=24
